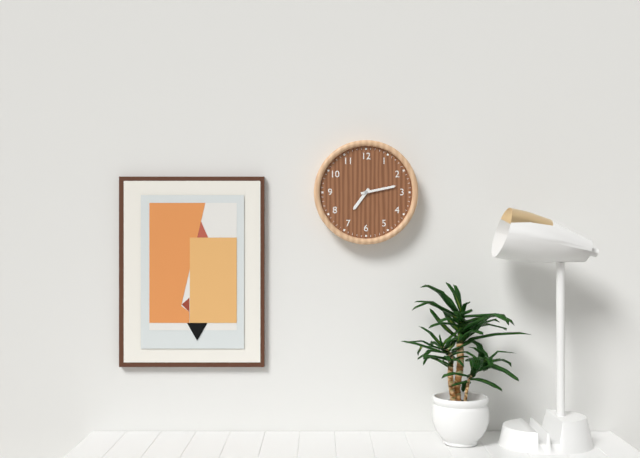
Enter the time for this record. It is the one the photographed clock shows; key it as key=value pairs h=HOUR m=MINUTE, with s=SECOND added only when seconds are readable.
h=7 m=13
